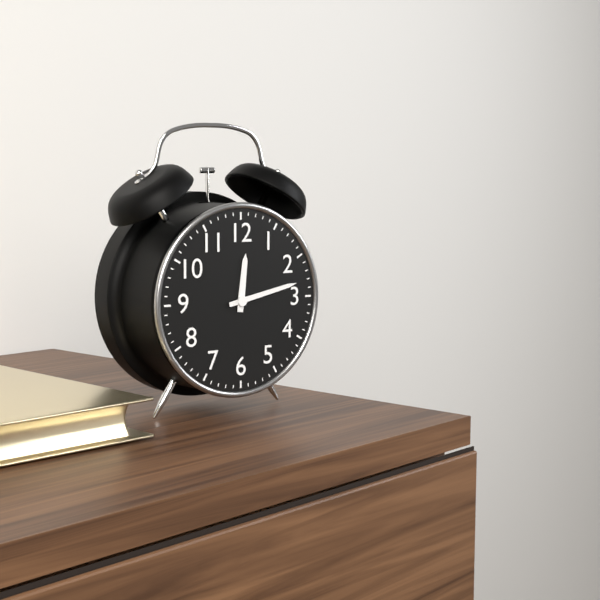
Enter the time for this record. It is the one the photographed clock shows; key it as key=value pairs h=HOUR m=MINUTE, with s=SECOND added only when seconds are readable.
h=12 m=13
